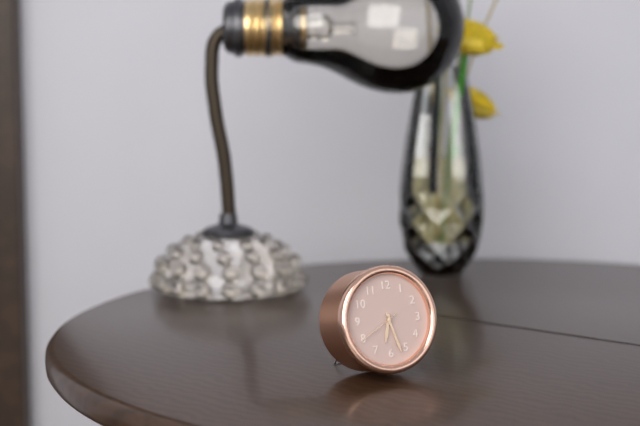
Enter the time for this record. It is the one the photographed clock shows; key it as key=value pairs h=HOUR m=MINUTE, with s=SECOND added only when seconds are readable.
h=6 m=27
